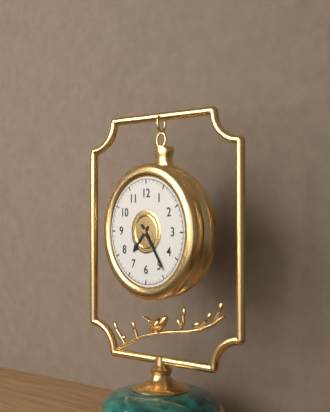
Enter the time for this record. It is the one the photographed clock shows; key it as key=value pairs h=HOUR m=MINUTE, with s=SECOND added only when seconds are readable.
h=7 m=24
